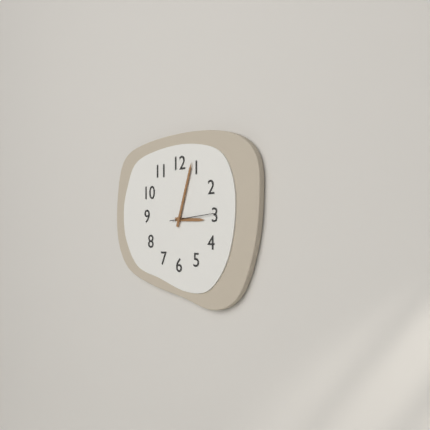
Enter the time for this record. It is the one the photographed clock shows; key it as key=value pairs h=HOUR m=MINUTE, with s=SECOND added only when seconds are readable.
h=3 m=3
